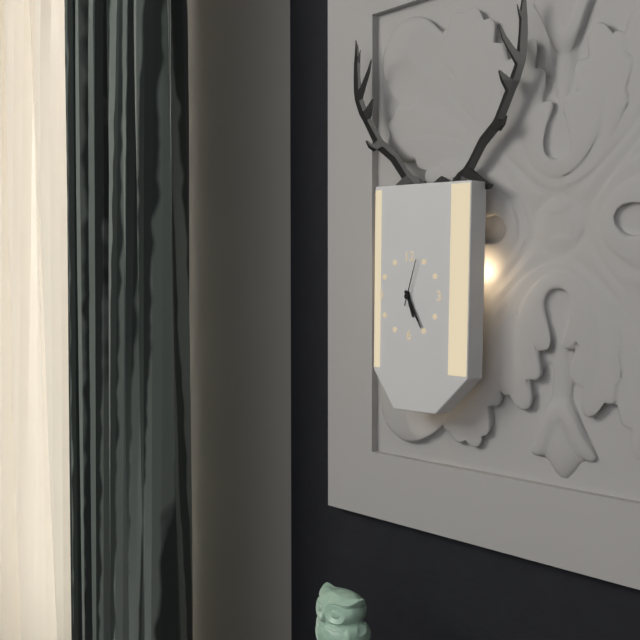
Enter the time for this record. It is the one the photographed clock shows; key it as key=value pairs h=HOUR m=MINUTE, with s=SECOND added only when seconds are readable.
h=5 m=25
